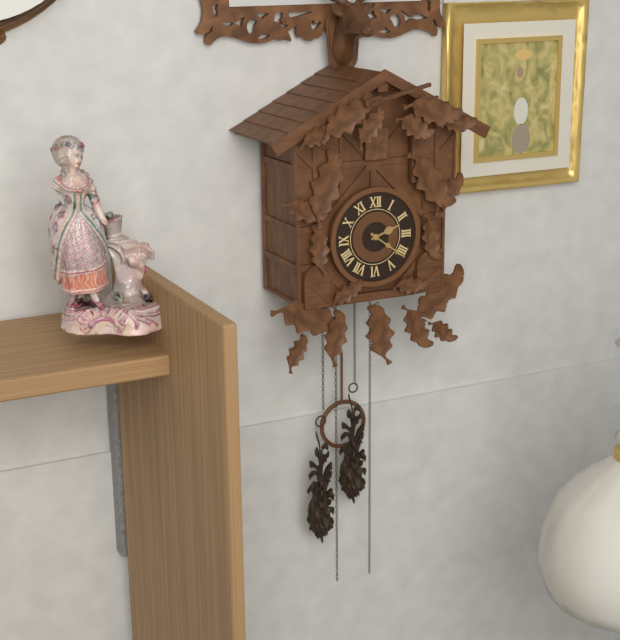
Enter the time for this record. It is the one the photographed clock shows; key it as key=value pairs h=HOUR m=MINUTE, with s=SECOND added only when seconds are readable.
h=2 m=21
